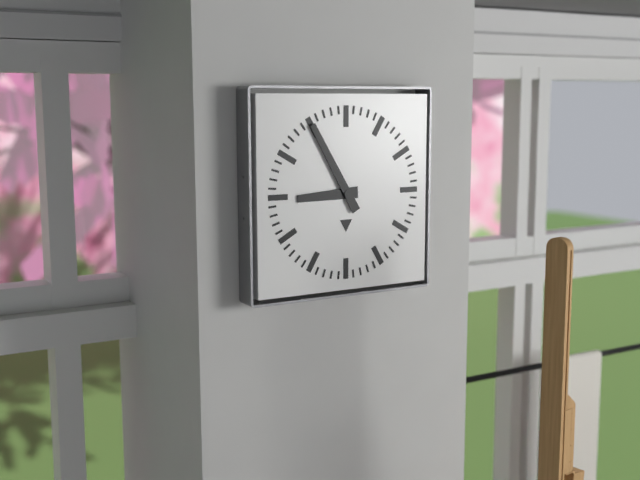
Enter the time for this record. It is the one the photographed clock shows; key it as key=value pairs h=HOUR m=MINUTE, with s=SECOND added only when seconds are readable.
h=8 m=55
